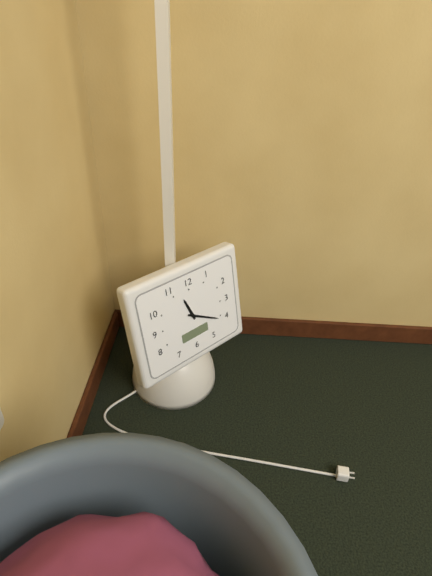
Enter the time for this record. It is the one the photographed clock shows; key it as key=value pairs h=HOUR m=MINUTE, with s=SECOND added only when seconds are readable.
h=11 m=20
